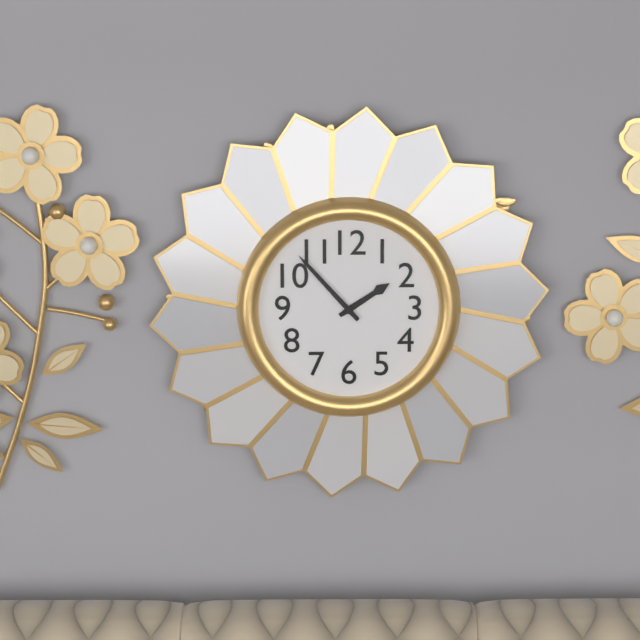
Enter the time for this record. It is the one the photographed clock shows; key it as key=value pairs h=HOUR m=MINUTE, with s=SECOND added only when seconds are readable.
h=1 m=53
